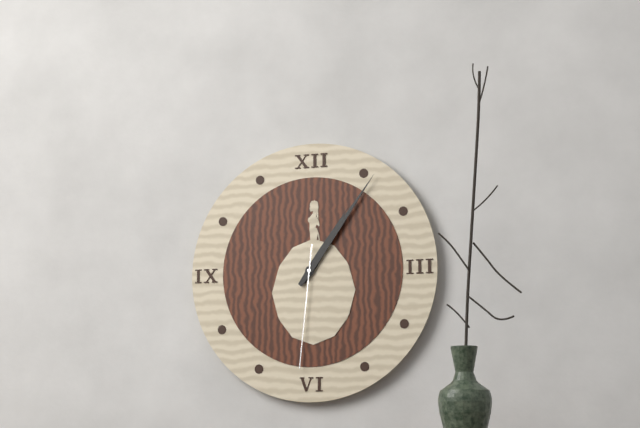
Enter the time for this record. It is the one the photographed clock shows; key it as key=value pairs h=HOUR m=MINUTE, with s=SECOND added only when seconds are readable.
h=1 m=6 s=31
